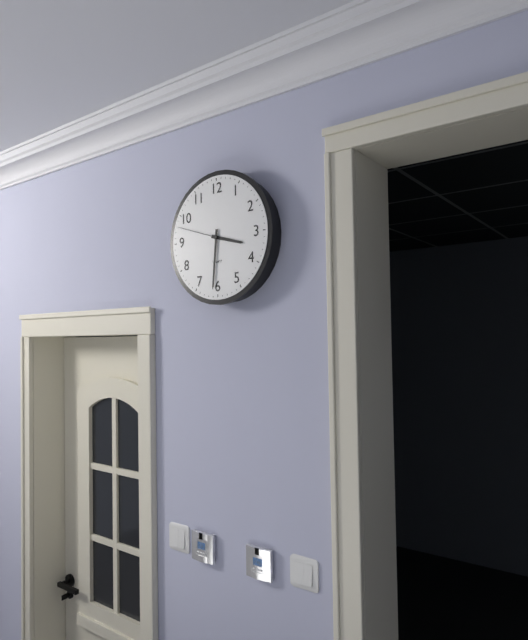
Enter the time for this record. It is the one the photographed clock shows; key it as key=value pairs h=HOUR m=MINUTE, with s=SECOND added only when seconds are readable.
h=3 m=31
